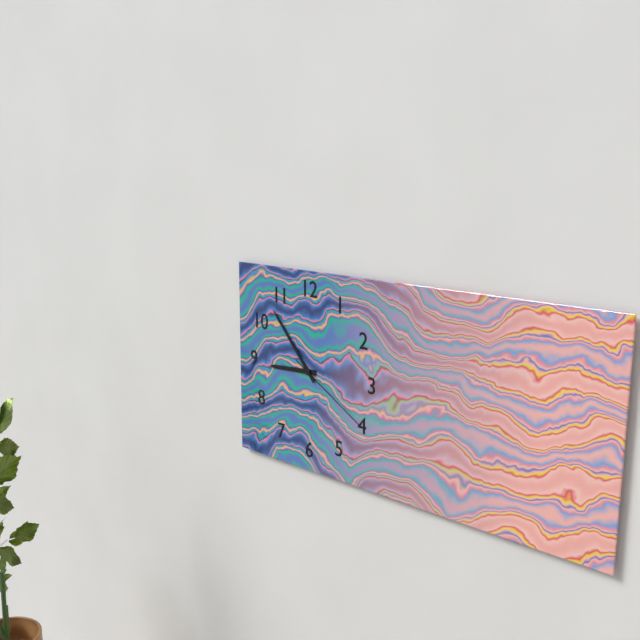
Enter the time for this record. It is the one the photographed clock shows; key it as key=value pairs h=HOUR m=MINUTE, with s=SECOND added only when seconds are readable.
h=8 m=53 s=20
